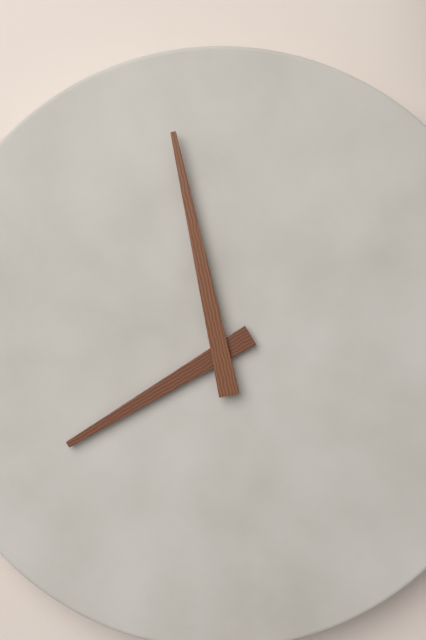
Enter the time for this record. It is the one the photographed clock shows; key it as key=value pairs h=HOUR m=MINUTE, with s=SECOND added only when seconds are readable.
h=7 m=58
